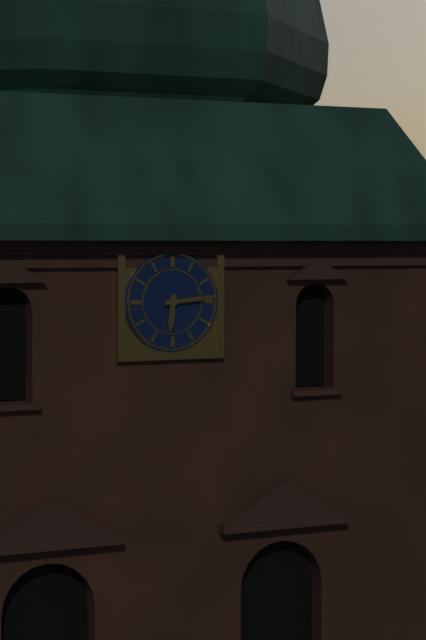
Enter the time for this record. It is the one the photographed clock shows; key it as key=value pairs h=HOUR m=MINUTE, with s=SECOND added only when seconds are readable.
h=6 m=14
